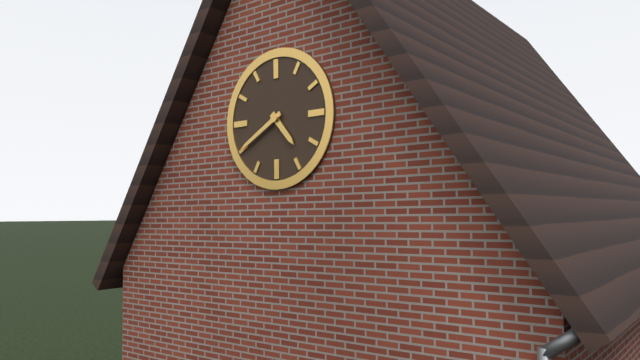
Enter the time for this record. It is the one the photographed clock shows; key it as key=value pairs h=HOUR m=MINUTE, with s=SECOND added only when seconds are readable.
h=4 m=40
